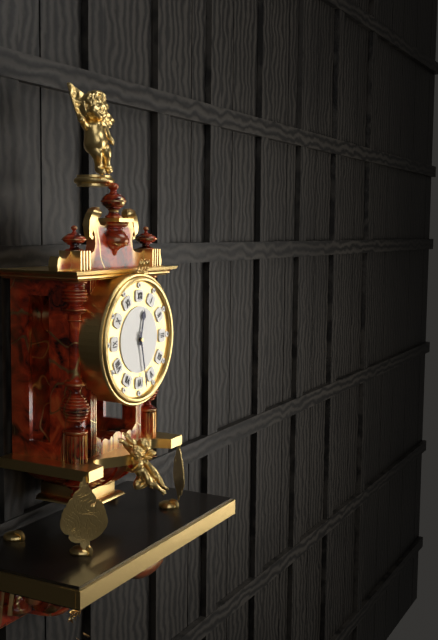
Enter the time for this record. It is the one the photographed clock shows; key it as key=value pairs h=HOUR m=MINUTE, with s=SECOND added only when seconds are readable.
h=12 m=28
